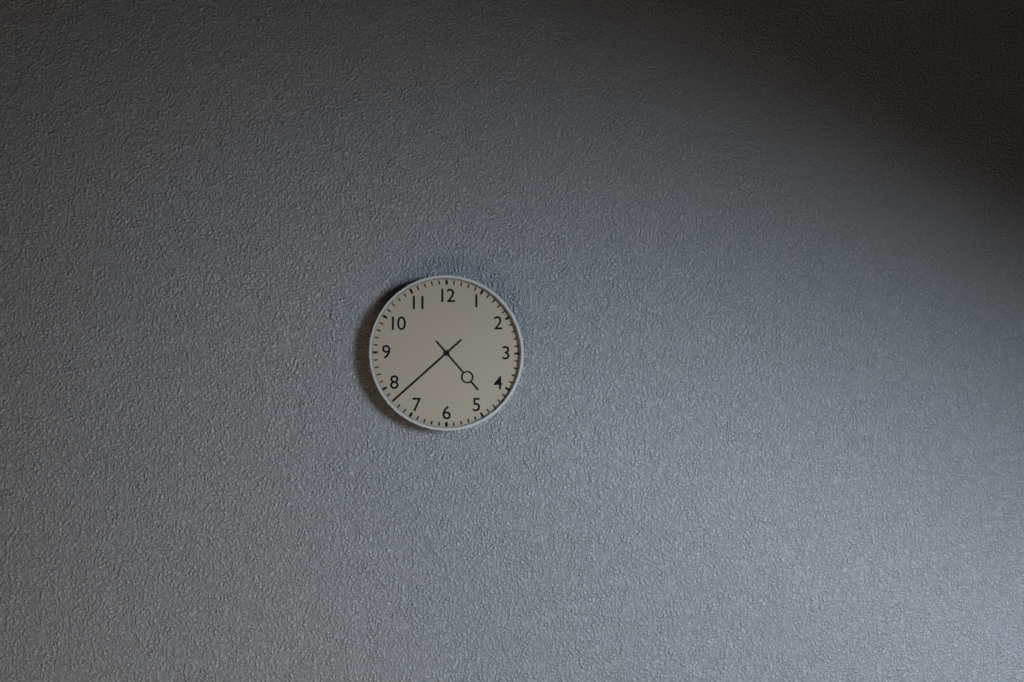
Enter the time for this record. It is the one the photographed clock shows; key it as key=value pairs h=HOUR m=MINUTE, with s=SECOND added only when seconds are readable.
h=4 m=38
